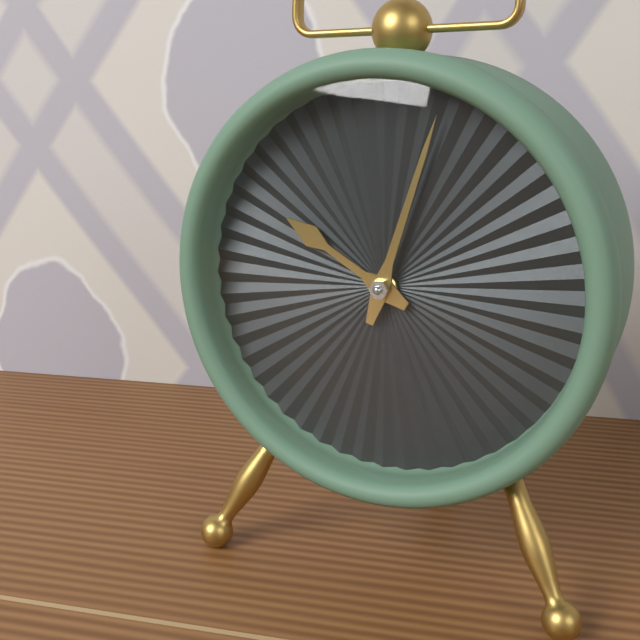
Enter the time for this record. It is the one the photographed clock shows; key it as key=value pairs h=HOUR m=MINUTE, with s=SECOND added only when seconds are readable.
h=10 m=3
